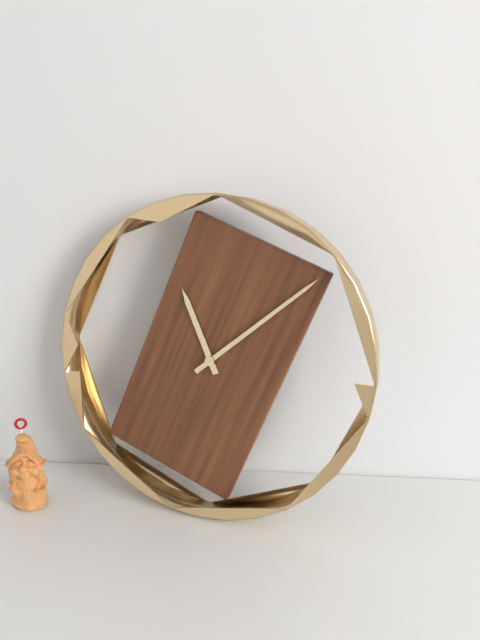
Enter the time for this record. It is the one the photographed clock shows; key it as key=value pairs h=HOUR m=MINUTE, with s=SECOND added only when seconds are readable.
h=11 m=8
